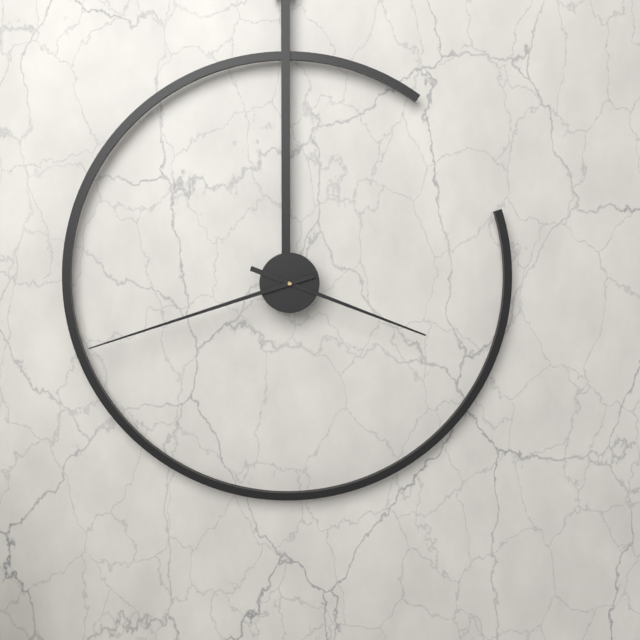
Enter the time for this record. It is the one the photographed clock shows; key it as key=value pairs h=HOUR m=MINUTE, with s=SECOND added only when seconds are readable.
h=3 m=42
